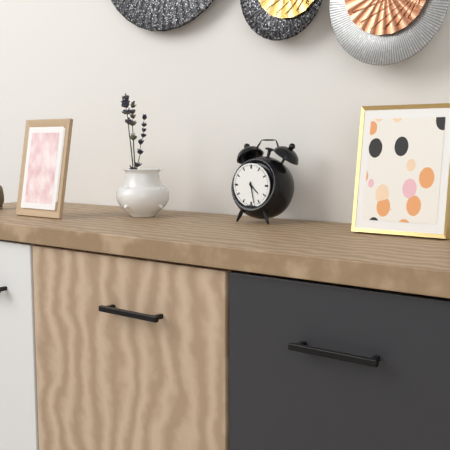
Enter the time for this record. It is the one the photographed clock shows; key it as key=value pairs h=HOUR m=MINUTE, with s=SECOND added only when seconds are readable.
h=4 m=28
